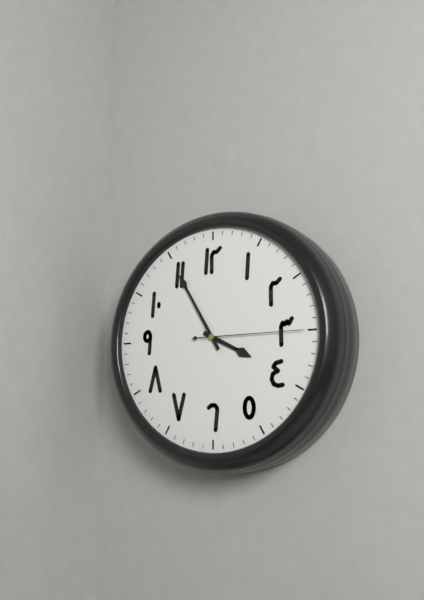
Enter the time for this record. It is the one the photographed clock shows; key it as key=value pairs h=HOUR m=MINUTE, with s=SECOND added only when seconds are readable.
h=3 m=55 s=15
